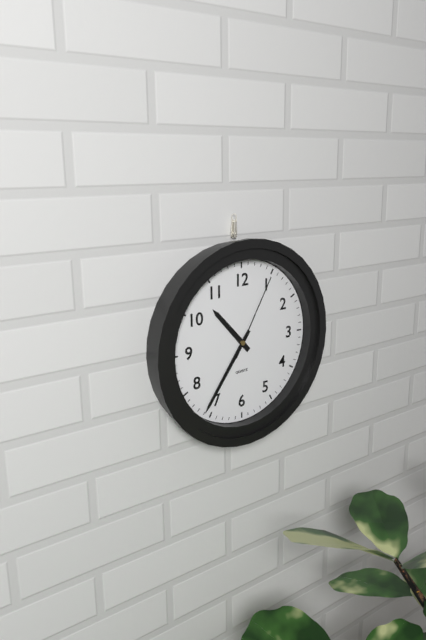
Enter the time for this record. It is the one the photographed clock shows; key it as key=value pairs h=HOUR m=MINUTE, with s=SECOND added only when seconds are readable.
h=10 m=36 s=5
